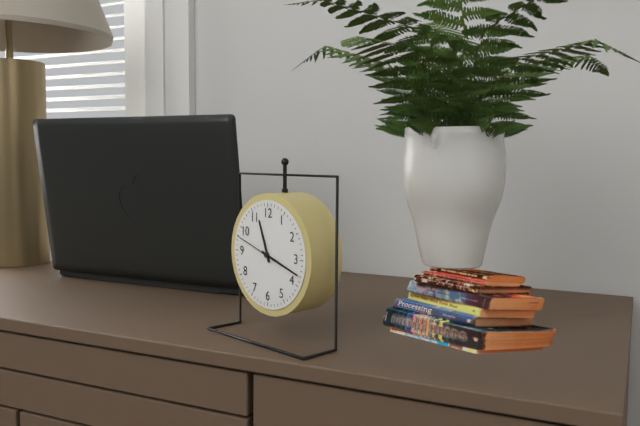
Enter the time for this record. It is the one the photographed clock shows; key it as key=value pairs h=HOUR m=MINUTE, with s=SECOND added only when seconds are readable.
h=11 m=18 s=48
